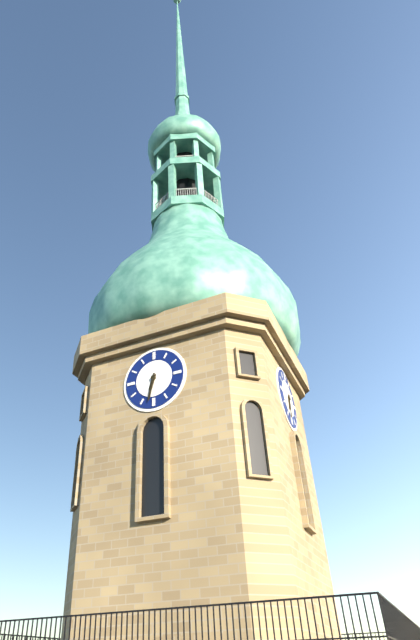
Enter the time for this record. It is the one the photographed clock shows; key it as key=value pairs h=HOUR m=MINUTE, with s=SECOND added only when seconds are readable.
h=6 m=32
